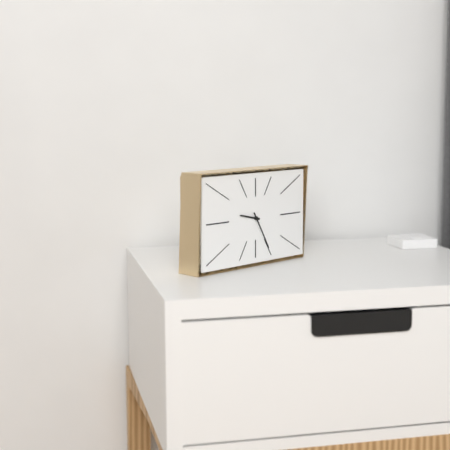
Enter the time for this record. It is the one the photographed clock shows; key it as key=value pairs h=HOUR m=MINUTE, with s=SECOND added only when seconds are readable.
h=9 m=25
